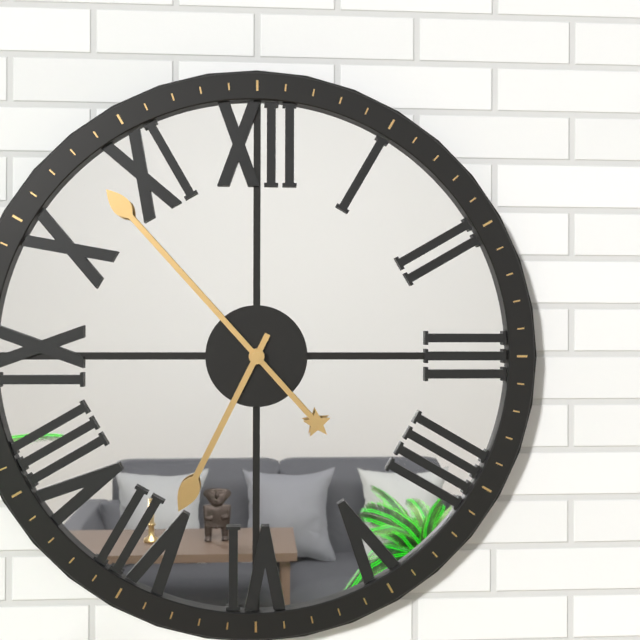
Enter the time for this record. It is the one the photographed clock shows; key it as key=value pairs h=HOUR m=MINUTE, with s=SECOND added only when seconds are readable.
h=6 m=53
